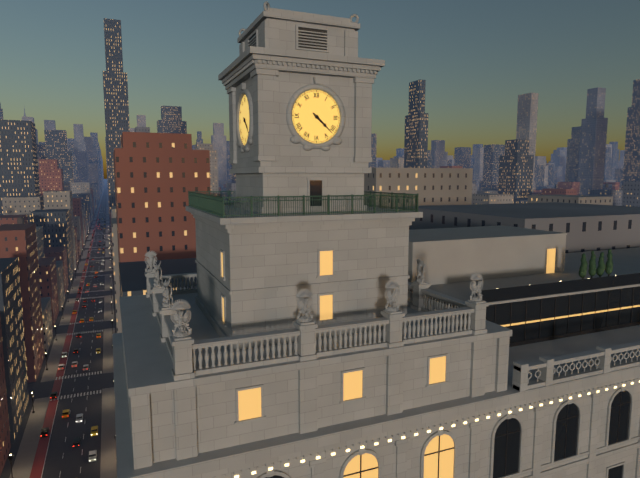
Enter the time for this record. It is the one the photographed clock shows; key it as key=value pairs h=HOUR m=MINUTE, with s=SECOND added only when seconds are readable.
h=4 m=22
